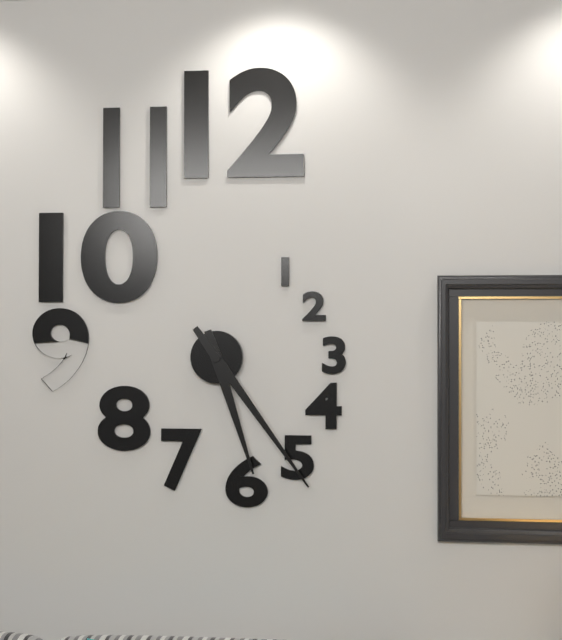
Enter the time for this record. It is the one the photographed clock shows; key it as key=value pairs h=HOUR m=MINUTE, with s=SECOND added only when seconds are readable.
h=5 m=24
